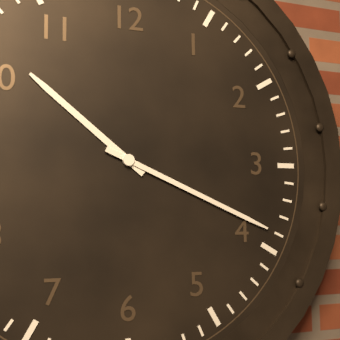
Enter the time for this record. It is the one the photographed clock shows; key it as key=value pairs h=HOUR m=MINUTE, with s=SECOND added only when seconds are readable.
h=10 m=19
